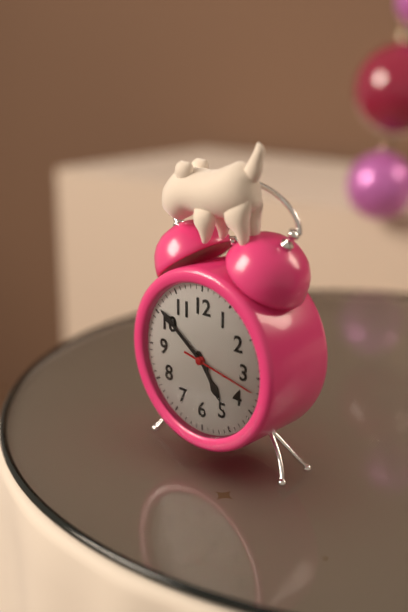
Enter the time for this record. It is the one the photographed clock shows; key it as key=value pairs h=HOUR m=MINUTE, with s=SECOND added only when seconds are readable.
h=4 m=51 s=17
